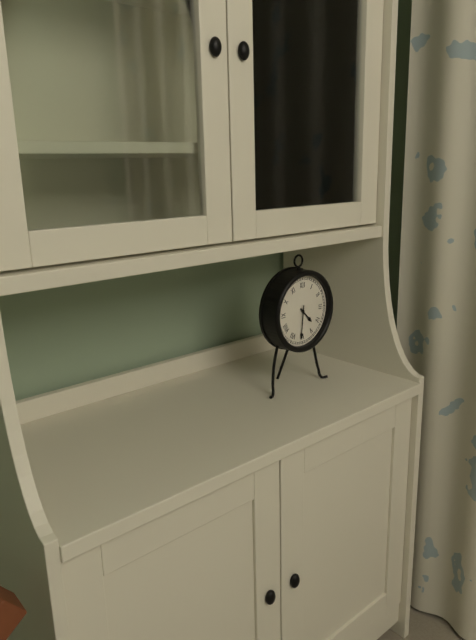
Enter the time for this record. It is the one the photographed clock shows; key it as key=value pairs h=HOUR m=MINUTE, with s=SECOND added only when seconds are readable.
h=4 m=31
